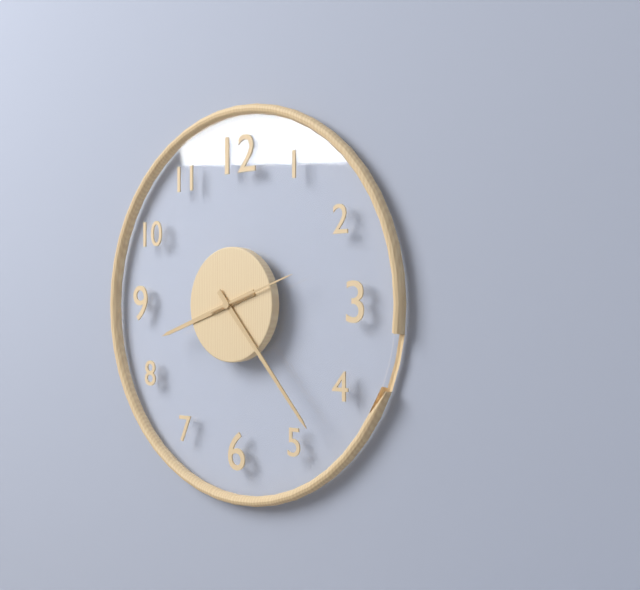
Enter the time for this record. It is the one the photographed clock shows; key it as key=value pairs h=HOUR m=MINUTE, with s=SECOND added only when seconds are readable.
h=8 m=23 s=12
